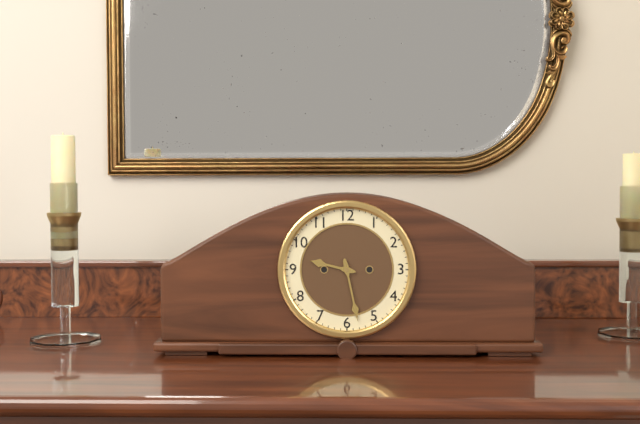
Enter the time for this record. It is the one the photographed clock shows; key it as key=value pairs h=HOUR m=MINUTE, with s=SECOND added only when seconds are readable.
h=9 m=28
